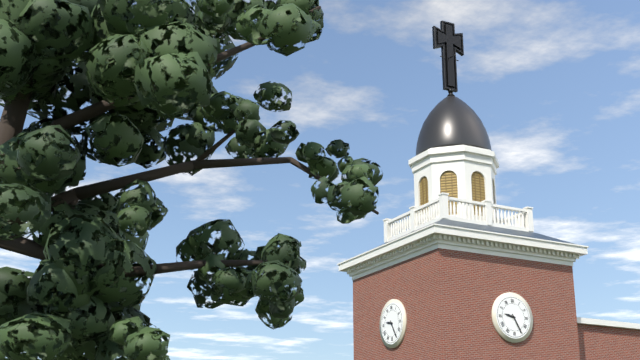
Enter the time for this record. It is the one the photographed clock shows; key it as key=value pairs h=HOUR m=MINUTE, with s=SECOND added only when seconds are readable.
h=9 m=25
